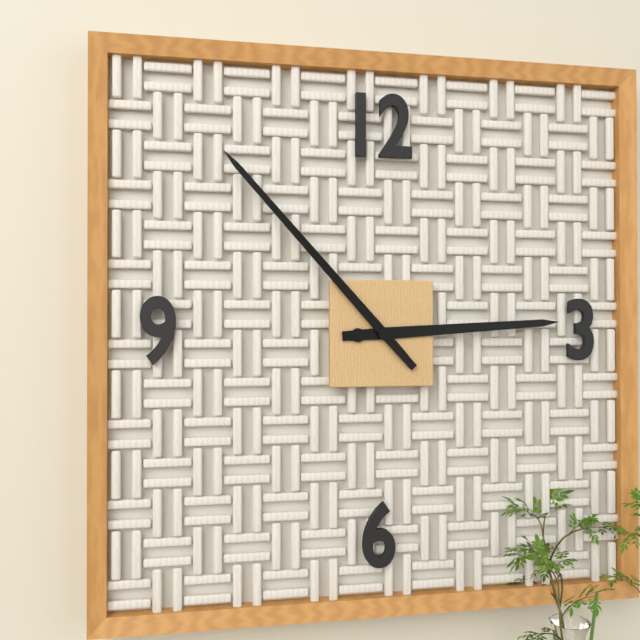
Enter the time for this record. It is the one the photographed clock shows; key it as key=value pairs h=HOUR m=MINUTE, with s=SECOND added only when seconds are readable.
h=2 m=53
